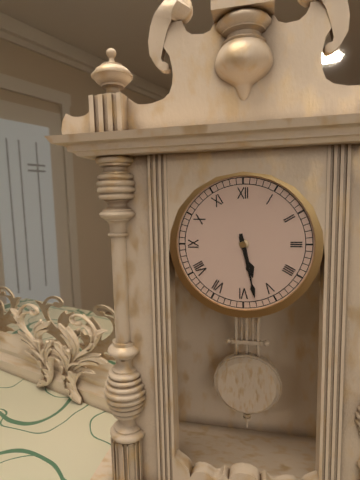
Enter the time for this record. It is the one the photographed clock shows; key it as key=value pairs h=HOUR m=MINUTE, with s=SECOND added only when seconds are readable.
h=5 m=28
